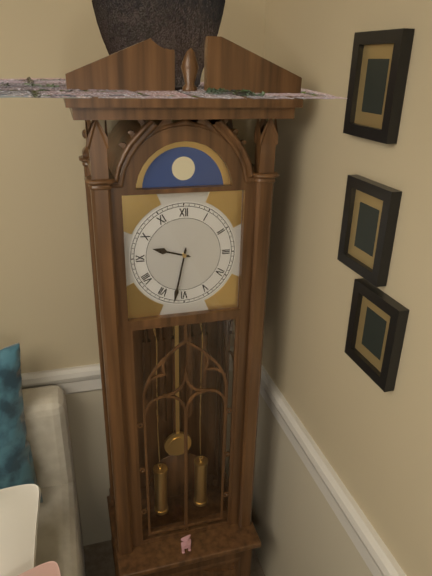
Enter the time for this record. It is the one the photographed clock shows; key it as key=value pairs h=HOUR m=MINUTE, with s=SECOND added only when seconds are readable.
h=9 m=32
